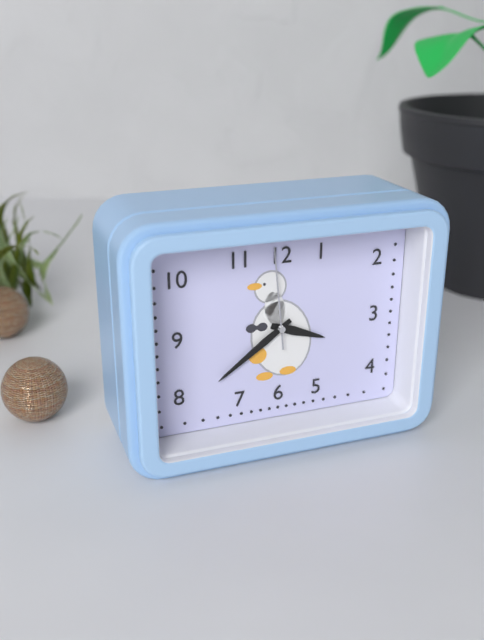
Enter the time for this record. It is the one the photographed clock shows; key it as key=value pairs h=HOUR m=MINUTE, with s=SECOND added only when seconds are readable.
h=3 m=39 s=59
